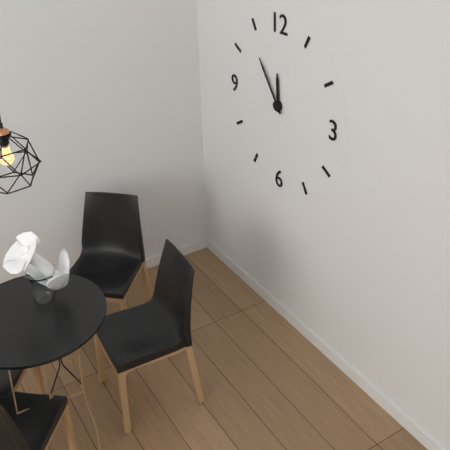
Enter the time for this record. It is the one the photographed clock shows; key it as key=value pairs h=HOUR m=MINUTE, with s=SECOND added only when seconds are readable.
h=11 m=54
